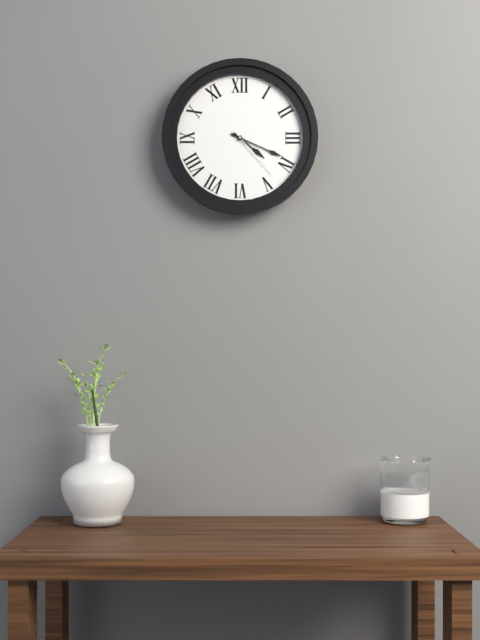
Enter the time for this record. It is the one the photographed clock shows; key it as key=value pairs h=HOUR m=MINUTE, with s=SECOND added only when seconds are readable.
h=4 m=19 s=23
